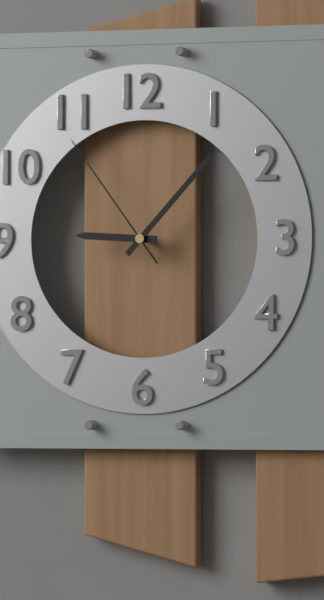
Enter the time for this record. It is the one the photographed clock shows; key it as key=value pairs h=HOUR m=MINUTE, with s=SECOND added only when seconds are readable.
h=9 m=7 s=54
